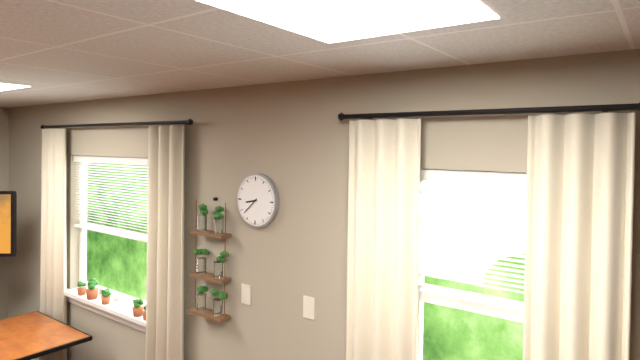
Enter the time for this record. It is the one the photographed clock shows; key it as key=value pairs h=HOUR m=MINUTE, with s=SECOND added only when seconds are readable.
h=8 m=38
